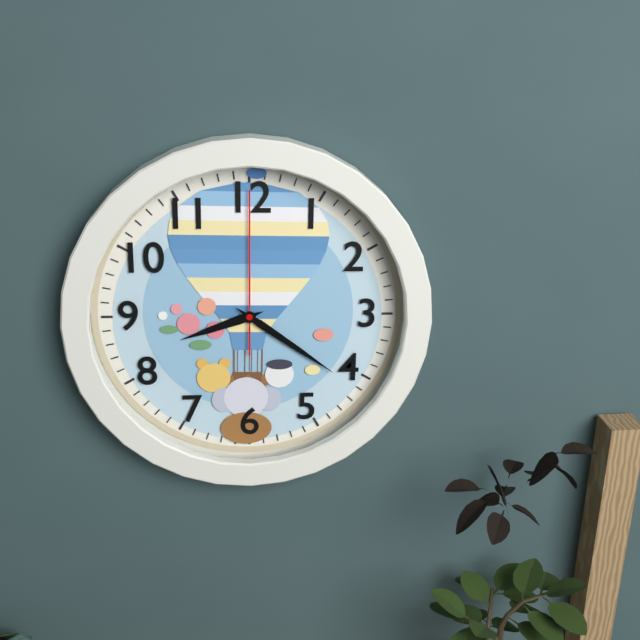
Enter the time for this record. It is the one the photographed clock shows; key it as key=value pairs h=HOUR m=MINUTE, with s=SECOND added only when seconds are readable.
h=8 m=21 s=0
